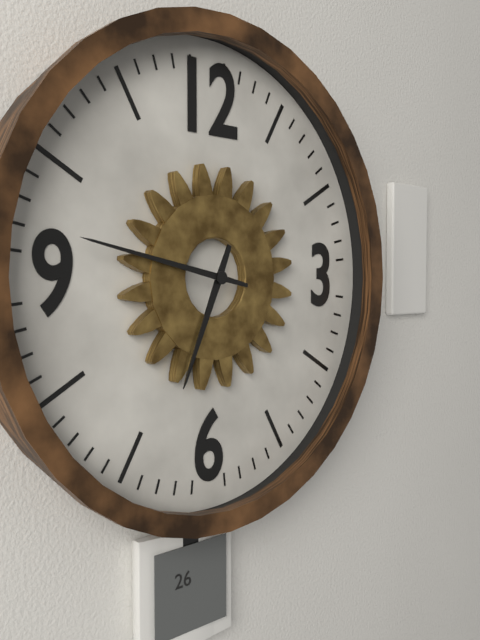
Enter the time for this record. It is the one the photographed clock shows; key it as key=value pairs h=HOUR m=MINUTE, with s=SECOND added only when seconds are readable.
h=6 m=47
